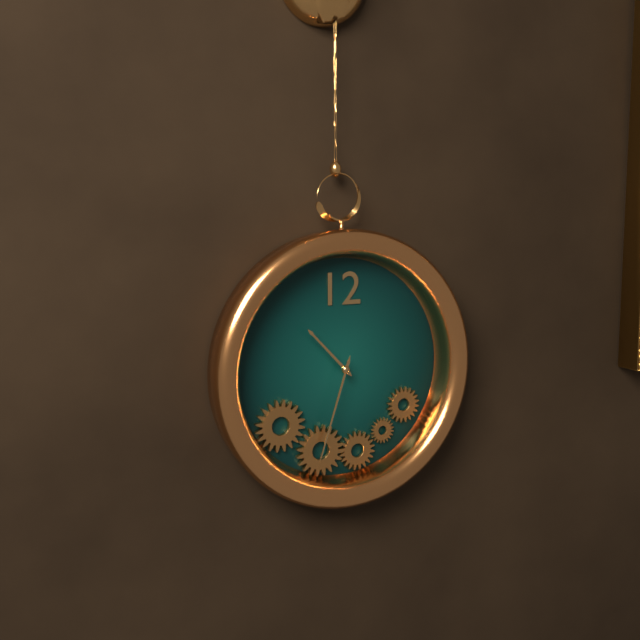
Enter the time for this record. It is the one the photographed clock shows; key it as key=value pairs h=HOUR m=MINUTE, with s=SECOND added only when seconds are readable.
h=10 m=33
